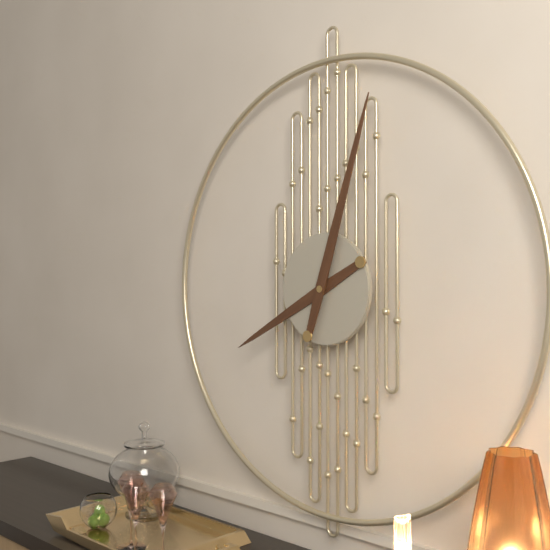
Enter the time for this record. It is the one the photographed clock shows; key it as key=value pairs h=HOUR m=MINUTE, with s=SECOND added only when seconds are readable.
h=8 m=3
